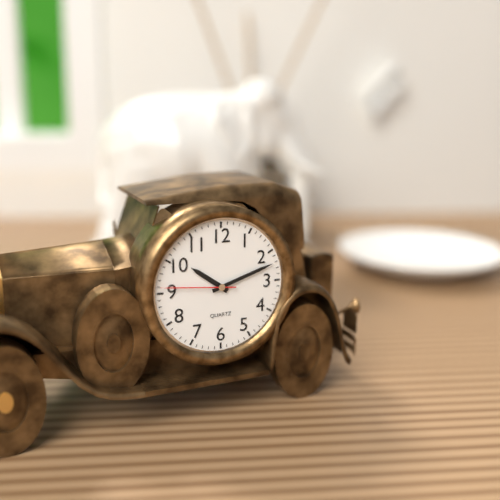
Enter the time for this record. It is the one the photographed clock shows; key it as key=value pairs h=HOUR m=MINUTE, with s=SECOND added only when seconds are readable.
h=10 m=12 s=46
